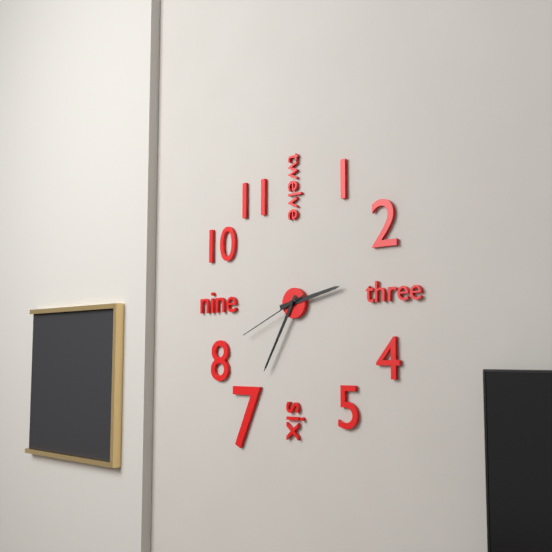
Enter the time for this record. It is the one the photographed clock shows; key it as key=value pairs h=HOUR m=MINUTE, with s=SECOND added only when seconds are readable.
h=2 m=35 s=41
